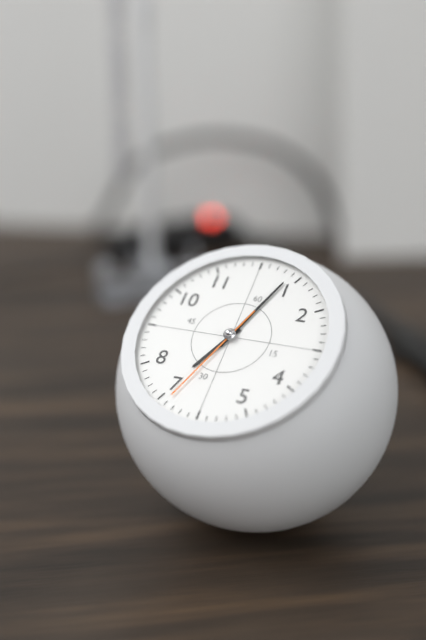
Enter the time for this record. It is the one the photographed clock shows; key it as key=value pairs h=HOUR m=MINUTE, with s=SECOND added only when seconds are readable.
h=7 m=4 s=34
